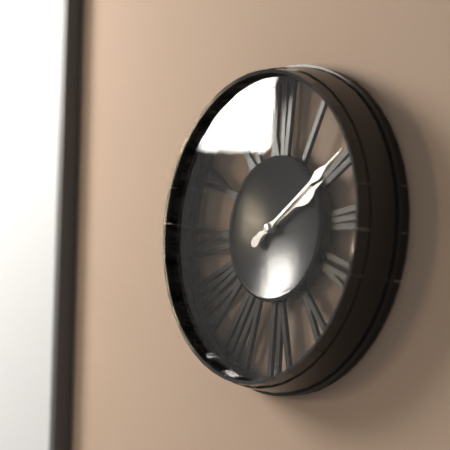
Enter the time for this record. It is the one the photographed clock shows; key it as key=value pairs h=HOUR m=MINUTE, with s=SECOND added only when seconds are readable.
h=2 m=10
